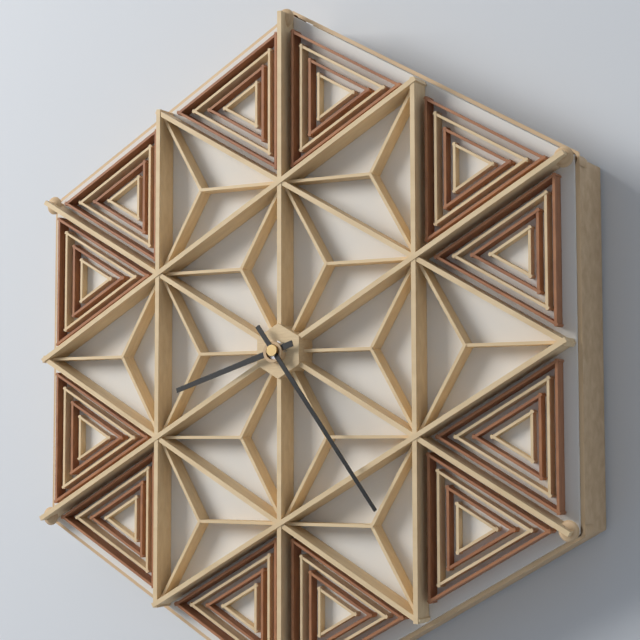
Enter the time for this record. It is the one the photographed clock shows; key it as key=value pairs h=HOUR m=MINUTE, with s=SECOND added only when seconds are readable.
h=8 m=24
